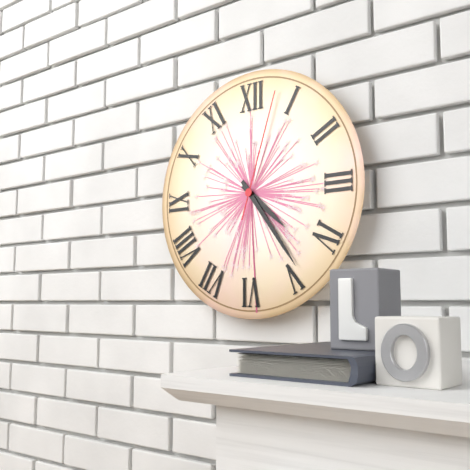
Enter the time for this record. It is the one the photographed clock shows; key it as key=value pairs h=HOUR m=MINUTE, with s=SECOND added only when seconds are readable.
h=4 m=24 s=3
